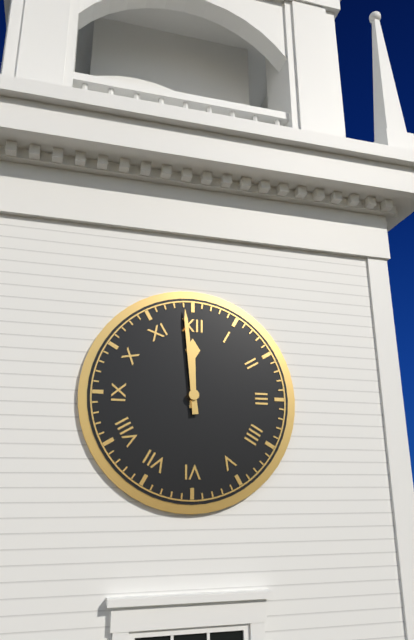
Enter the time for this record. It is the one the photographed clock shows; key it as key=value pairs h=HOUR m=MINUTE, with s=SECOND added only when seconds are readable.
h=11 m=59
